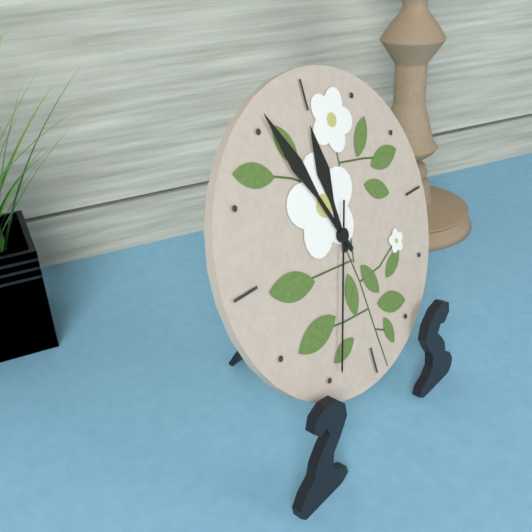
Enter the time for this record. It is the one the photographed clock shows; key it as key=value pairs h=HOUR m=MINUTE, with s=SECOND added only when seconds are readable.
h=11 m=56 s=34
